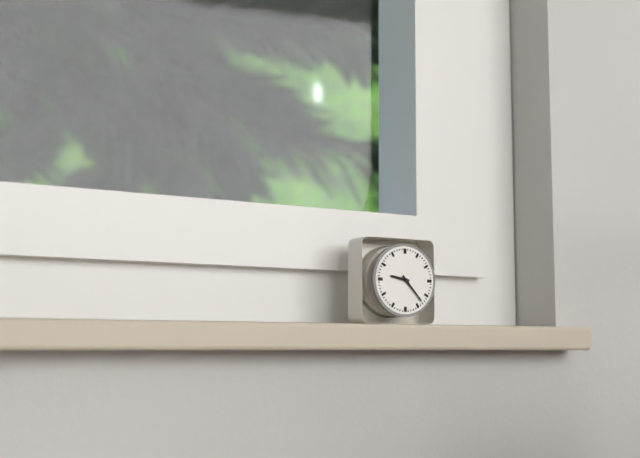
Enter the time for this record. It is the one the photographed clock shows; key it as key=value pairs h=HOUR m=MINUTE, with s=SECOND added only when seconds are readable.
h=9 m=23
